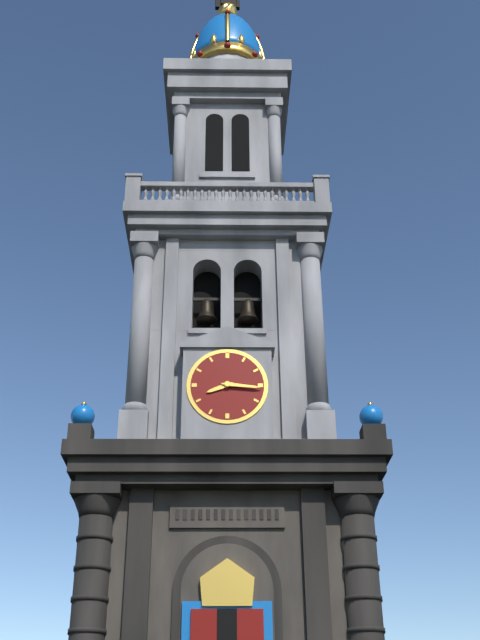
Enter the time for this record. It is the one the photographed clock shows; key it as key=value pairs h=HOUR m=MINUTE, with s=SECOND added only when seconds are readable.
h=8 m=16
